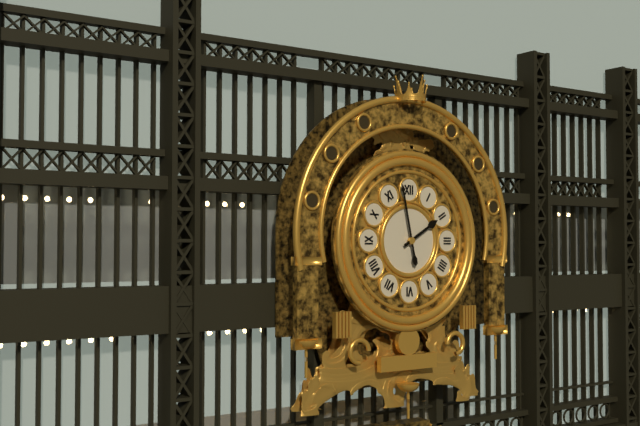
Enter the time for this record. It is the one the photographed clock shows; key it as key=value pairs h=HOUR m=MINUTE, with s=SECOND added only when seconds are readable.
h=1 m=58
